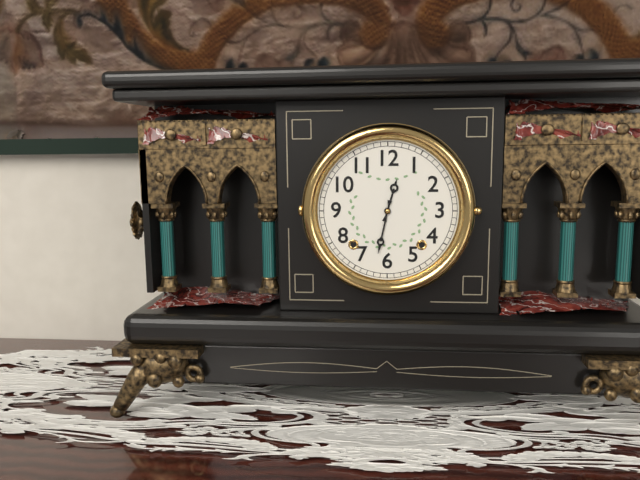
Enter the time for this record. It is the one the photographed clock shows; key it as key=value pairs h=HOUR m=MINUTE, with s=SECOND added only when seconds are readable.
h=12 m=32
